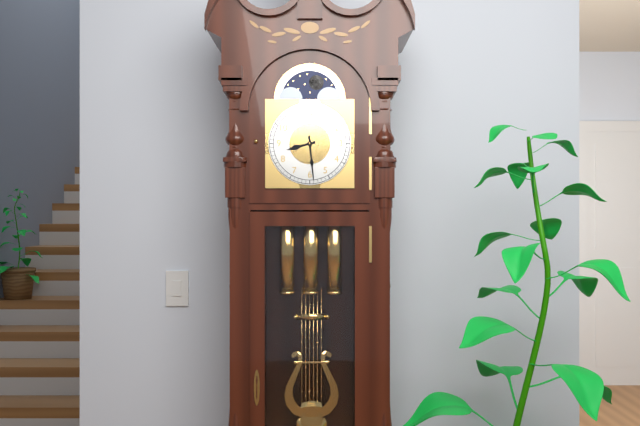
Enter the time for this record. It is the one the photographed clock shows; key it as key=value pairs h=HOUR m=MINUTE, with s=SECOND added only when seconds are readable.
h=8 m=29
